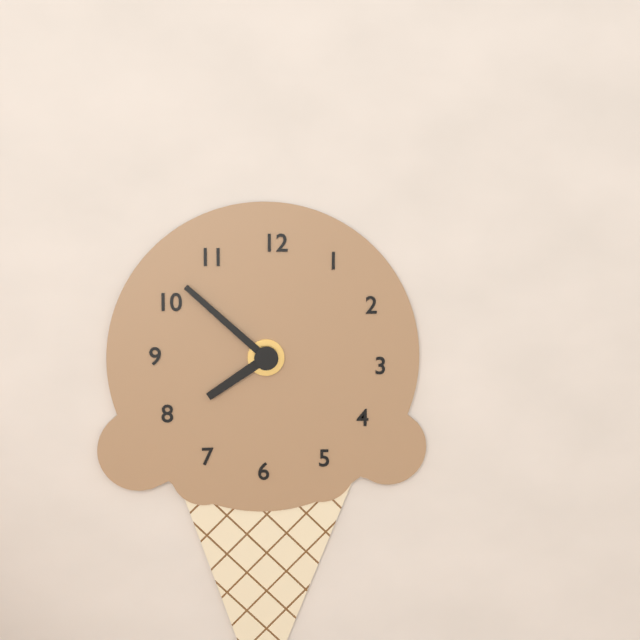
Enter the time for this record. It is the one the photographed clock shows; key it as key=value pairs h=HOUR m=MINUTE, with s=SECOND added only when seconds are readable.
h=7 m=52
